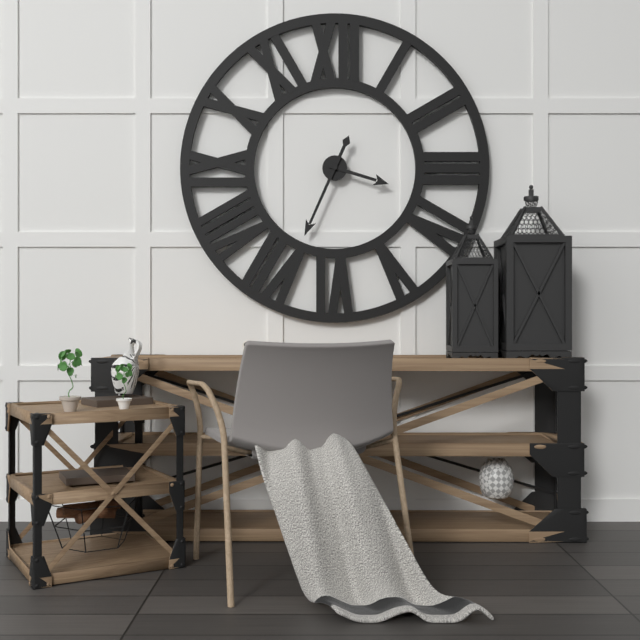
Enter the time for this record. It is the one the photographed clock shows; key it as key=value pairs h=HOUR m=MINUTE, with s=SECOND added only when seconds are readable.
h=3 m=34
